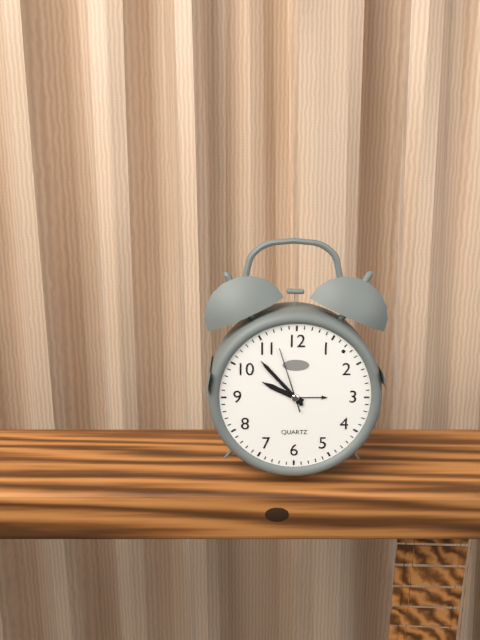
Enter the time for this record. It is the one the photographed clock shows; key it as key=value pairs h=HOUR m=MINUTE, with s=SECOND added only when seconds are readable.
h=9 m=53 s=57
